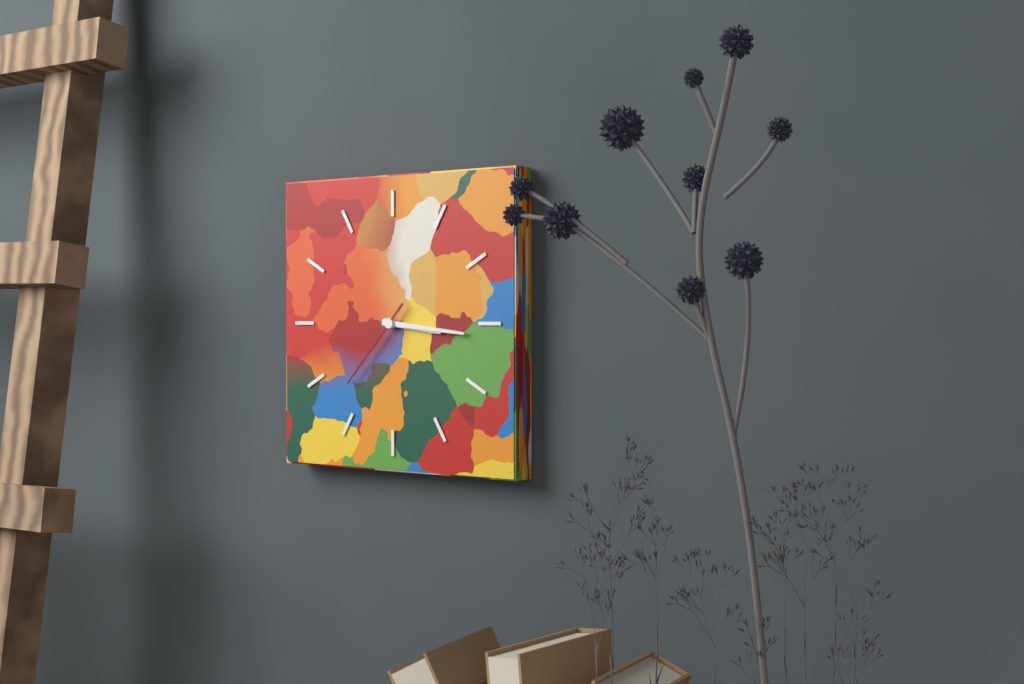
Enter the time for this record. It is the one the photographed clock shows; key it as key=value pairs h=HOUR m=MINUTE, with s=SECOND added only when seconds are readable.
h=3 m=16 s=37
